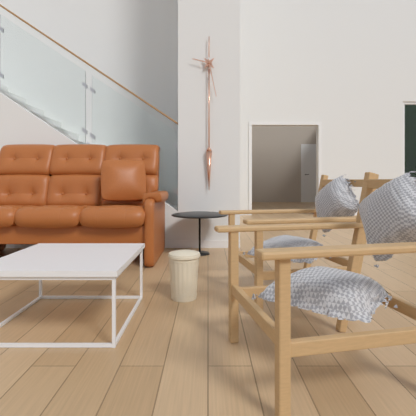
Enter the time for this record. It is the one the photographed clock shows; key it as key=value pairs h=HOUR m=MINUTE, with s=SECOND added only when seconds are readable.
h=9 m=28
